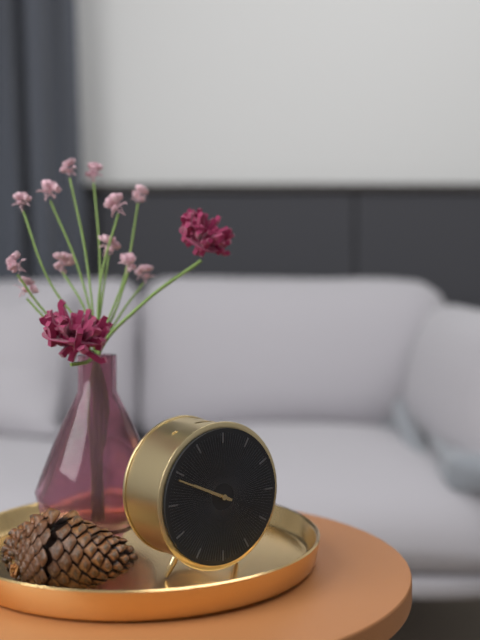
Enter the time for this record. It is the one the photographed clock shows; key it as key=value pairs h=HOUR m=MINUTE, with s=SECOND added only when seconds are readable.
h=9 m=49
